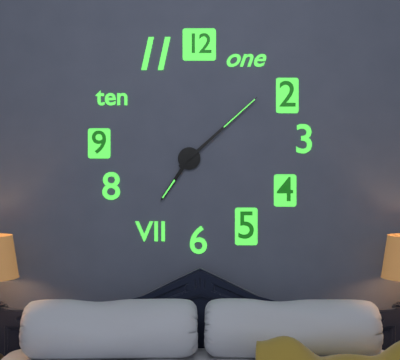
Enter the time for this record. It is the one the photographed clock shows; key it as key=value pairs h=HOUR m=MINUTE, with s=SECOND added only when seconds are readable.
h=7 m=8
